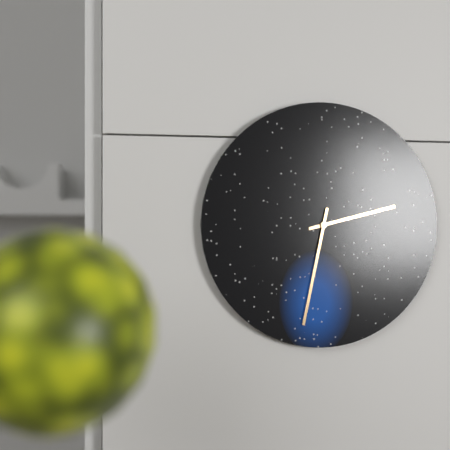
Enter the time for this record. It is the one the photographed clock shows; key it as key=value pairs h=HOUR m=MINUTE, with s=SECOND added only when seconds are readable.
h=2 m=32
